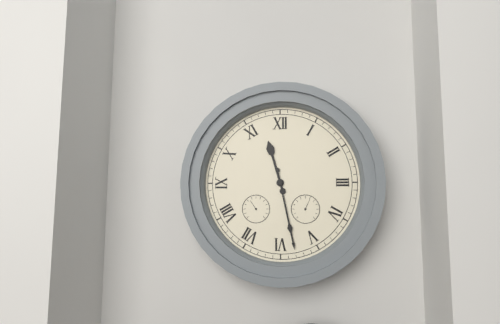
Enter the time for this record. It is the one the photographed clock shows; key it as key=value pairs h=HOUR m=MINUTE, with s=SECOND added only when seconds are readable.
h=11 m=28
